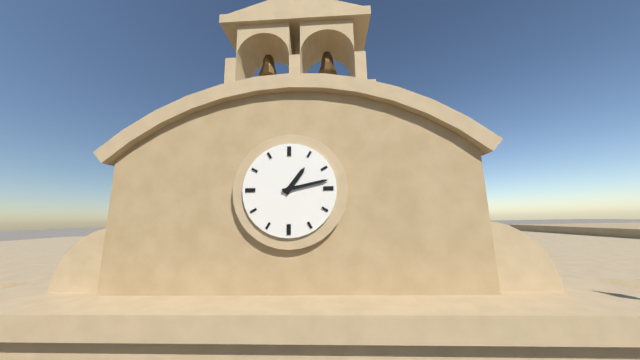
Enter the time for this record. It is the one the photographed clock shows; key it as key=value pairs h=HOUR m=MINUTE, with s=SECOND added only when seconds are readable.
h=1 m=13
